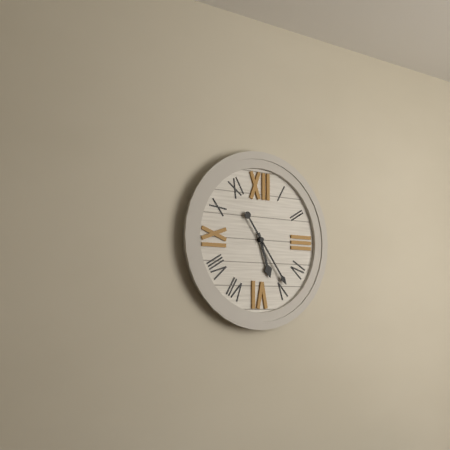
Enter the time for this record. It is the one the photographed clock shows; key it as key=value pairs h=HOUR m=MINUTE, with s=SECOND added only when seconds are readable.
h=5 m=24
